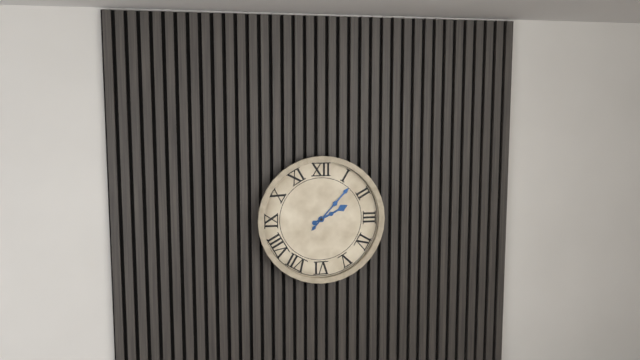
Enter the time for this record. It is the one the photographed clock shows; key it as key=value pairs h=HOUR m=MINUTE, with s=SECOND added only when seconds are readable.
h=2 m=7
